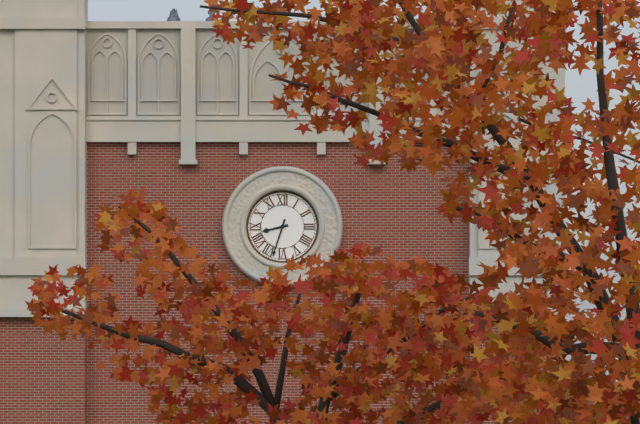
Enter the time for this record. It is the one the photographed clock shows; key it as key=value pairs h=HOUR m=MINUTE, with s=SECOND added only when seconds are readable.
h=8 m=33
